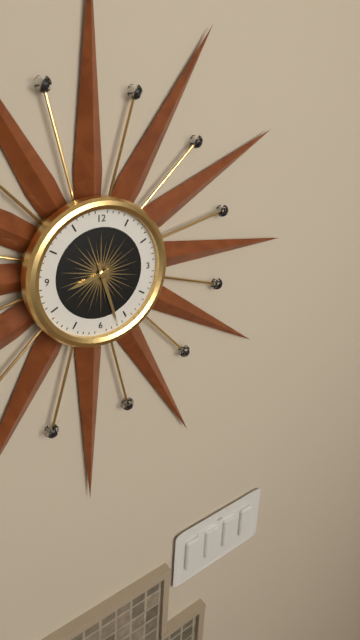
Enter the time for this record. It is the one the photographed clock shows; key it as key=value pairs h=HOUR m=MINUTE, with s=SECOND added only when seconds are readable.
h=8 m=27
